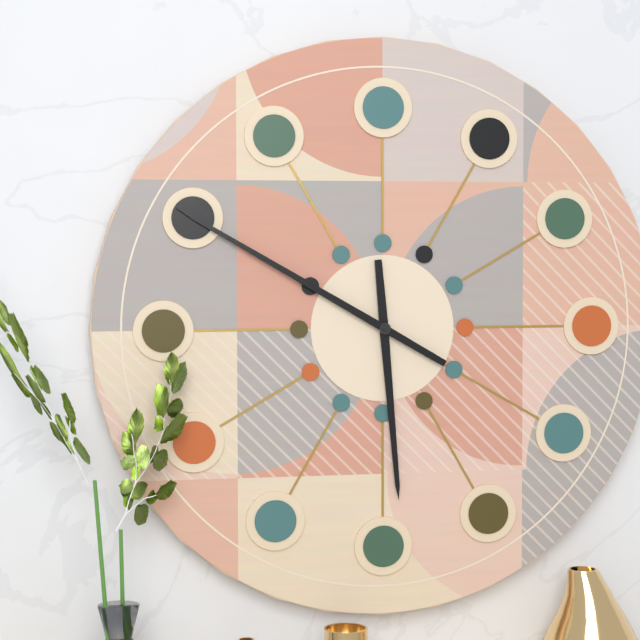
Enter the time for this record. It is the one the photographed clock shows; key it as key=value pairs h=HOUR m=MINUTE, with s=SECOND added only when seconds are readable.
h=5 m=50
